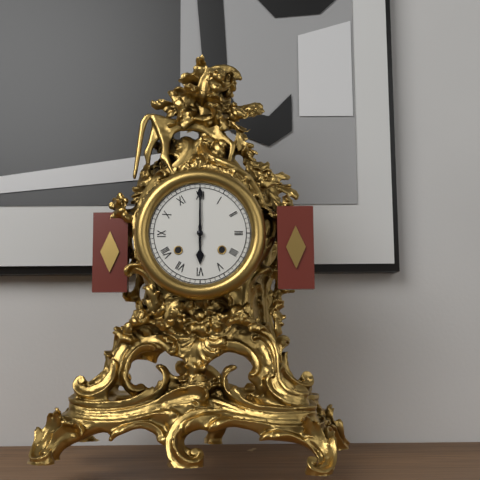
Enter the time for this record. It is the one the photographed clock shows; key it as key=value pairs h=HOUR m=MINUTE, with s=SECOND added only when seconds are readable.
h=6 m=0
